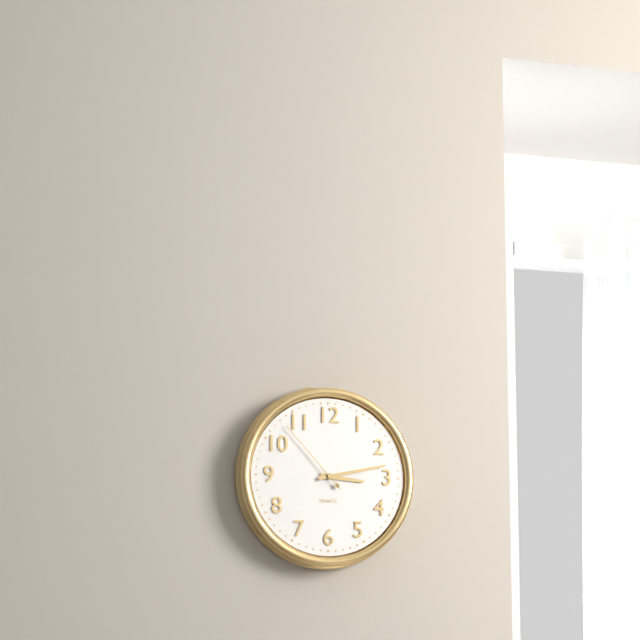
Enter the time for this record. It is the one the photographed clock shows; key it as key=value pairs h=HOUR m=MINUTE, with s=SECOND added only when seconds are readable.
h=3 m=13 s=53
